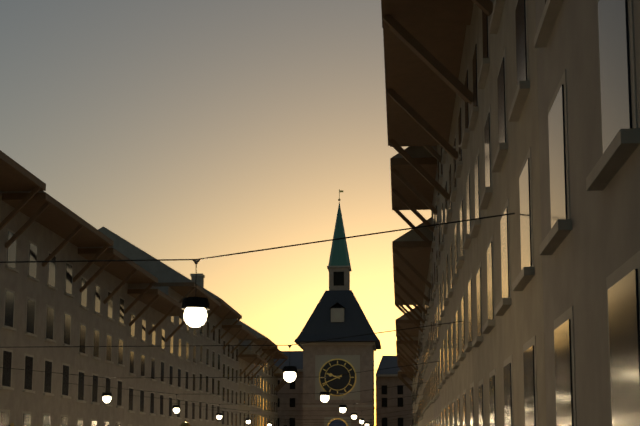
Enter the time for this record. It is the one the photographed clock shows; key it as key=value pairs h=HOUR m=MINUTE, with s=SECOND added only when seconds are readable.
h=9 m=41
